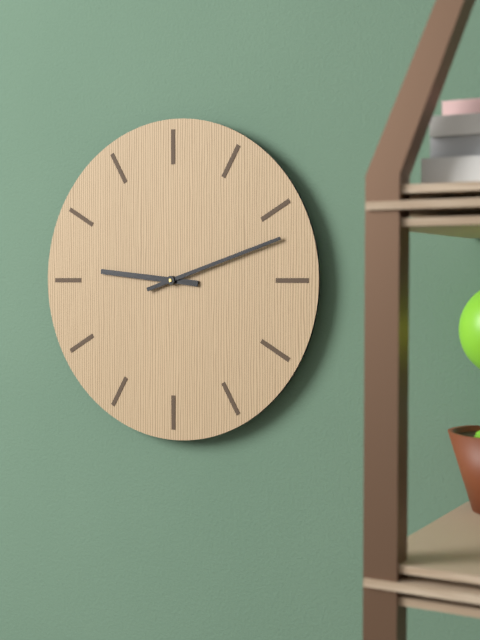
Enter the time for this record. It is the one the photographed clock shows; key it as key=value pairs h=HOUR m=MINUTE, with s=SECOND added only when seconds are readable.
h=9 m=12
